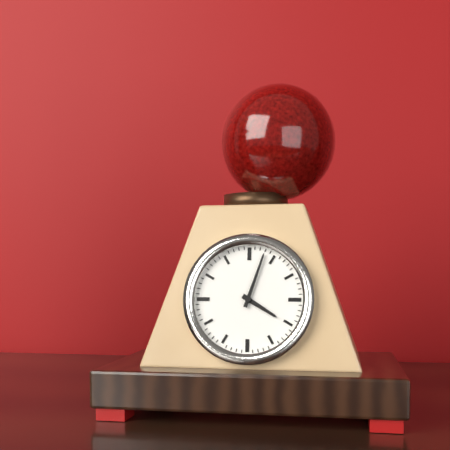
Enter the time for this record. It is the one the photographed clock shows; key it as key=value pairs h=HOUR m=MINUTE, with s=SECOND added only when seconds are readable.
h=4 m=3
